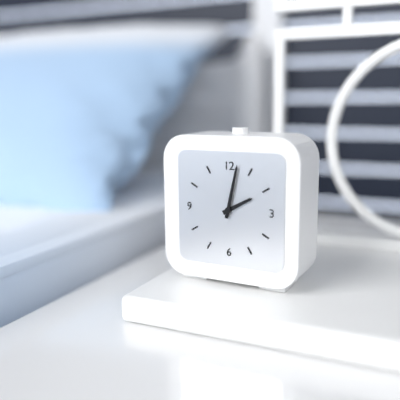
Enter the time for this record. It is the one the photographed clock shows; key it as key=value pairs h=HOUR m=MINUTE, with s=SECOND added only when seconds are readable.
h=2 m=2
